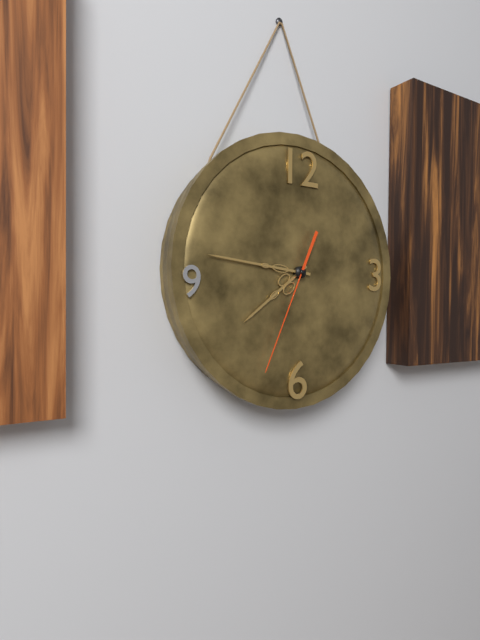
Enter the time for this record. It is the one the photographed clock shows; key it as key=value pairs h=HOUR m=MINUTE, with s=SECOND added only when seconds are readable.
h=7 m=46 s=34
